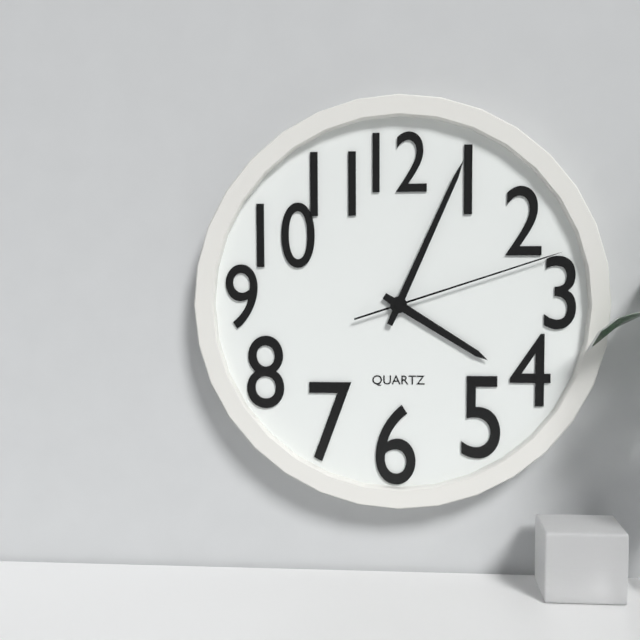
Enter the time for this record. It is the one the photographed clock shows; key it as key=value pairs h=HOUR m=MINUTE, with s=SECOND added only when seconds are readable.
h=4 m=4 s=12
